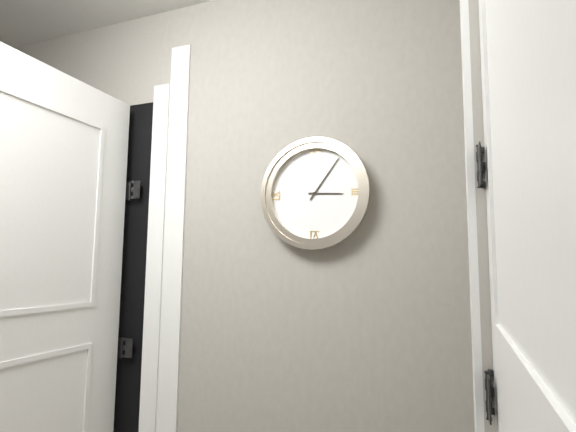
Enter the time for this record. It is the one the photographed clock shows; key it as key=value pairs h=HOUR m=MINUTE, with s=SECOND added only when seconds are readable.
h=3 m=6
